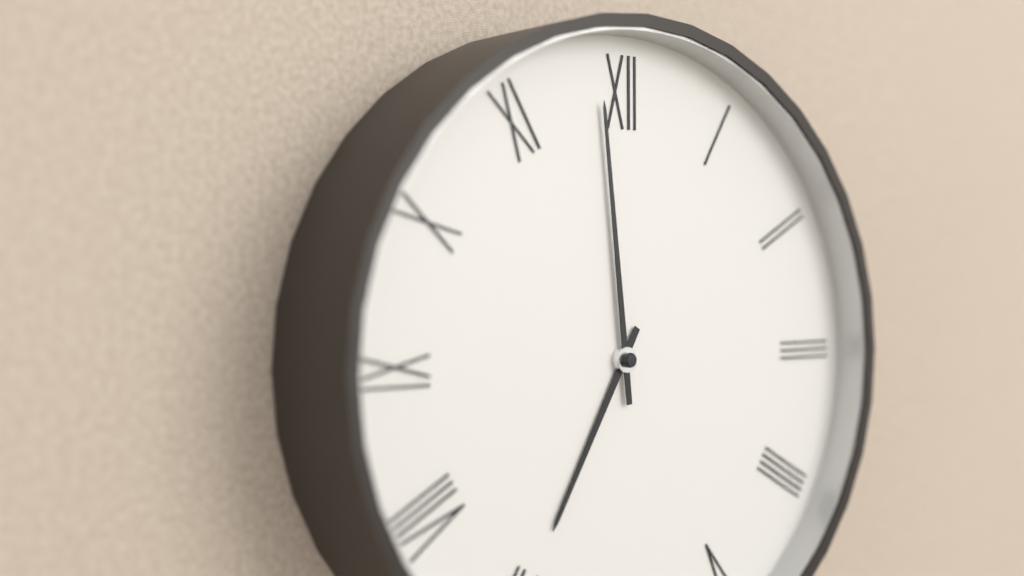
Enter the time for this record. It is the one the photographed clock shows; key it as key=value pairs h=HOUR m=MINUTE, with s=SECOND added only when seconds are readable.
h=6 m=59
